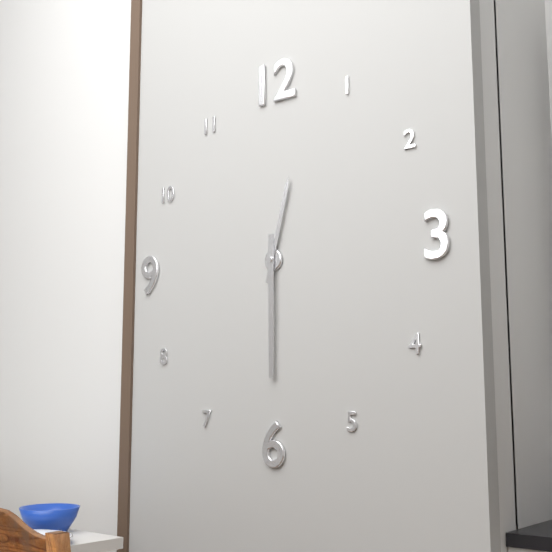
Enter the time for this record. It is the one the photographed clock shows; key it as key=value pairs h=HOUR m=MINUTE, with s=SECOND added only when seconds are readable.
h=12 m=30
